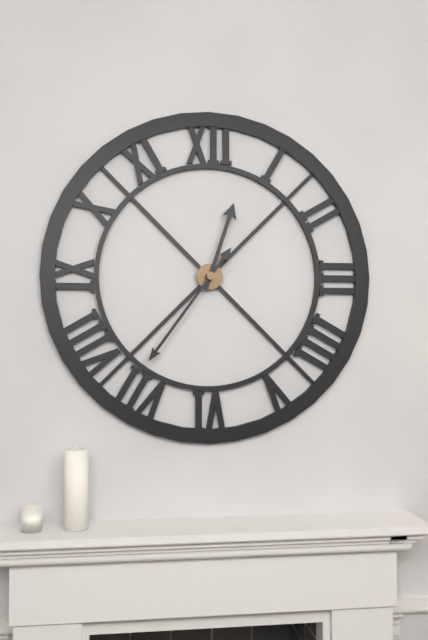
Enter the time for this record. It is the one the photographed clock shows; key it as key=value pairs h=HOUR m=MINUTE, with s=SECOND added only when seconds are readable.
h=12 m=36
